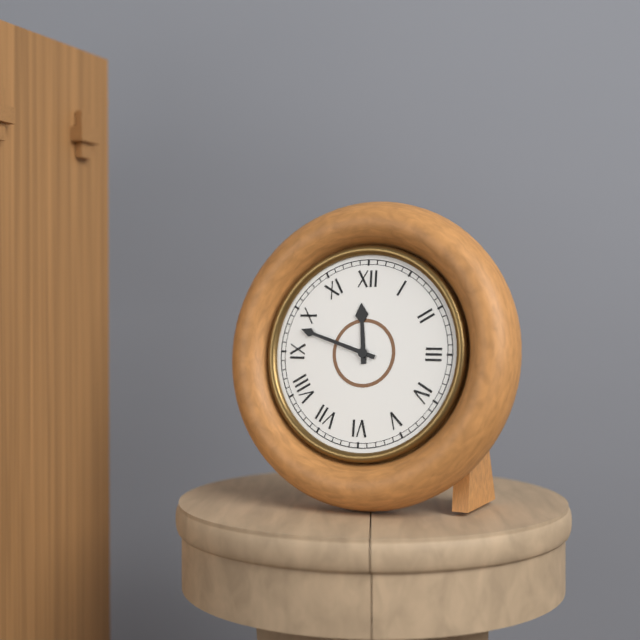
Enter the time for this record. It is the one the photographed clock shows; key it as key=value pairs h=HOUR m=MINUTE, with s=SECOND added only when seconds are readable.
h=11 m=48
